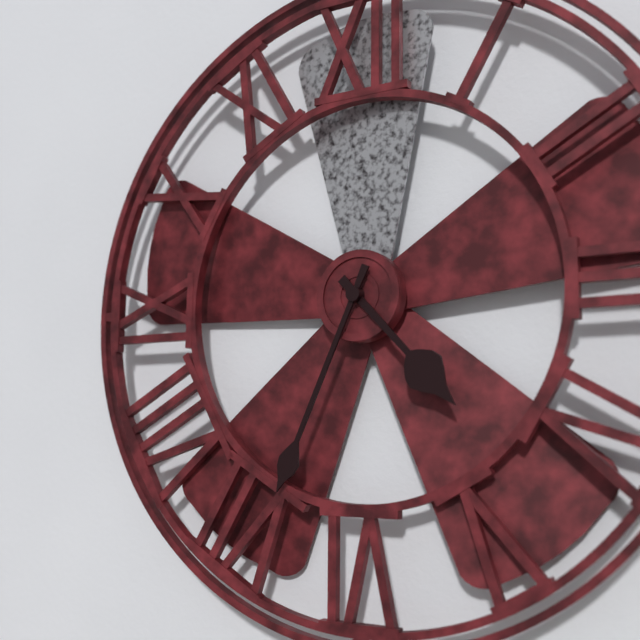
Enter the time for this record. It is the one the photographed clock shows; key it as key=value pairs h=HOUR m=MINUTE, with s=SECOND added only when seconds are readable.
h=4 m=34
